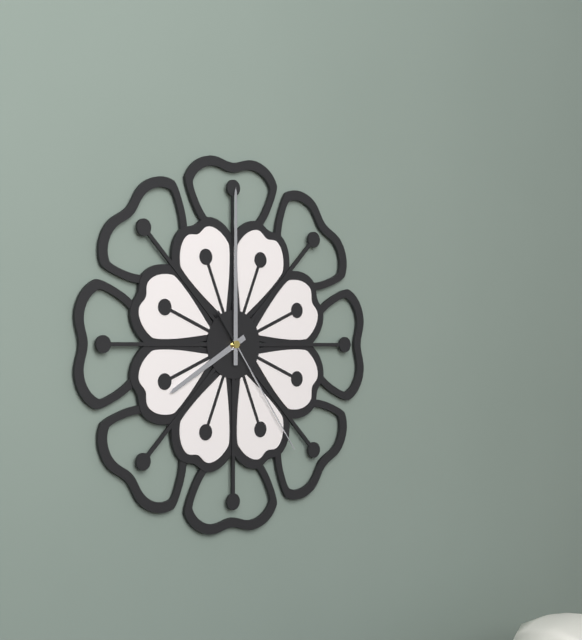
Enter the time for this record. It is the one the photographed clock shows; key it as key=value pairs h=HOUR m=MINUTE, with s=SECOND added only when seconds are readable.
h=8 m=0 s=24
